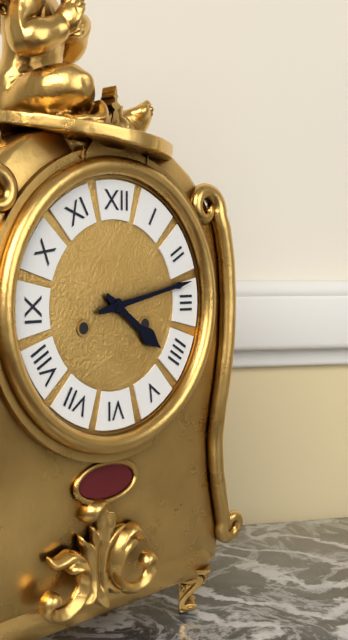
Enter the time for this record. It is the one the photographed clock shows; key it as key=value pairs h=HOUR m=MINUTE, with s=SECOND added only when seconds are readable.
h=4 m=13
